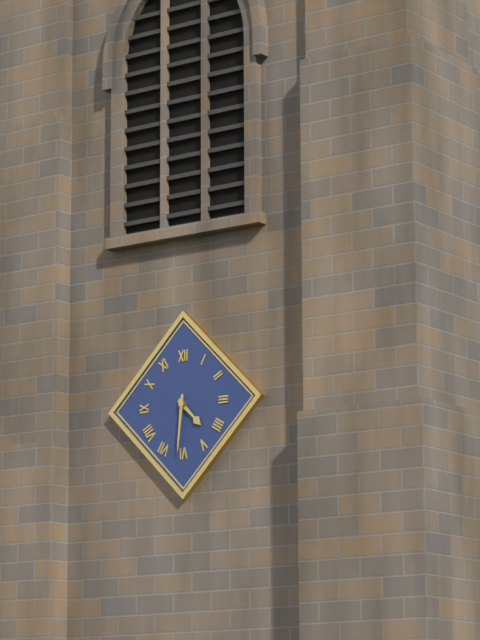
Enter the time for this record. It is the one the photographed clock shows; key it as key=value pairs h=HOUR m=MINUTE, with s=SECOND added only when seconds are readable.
h=4 m=31
